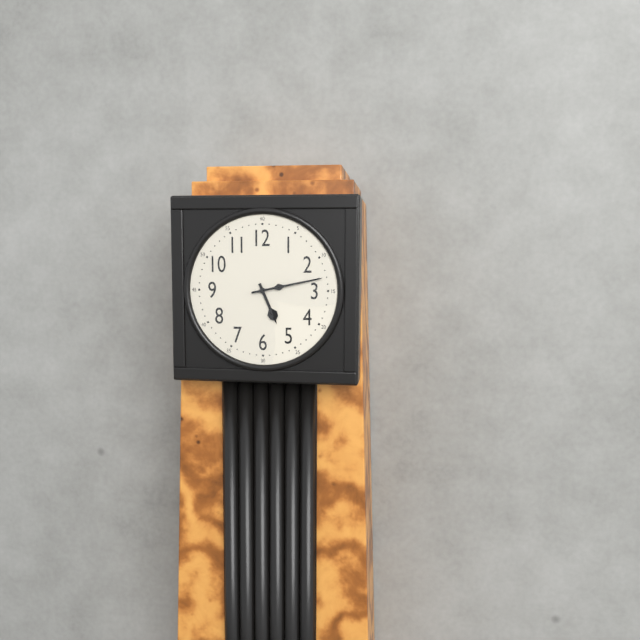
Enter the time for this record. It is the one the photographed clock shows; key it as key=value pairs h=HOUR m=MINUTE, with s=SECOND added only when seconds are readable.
h=5 m=13
